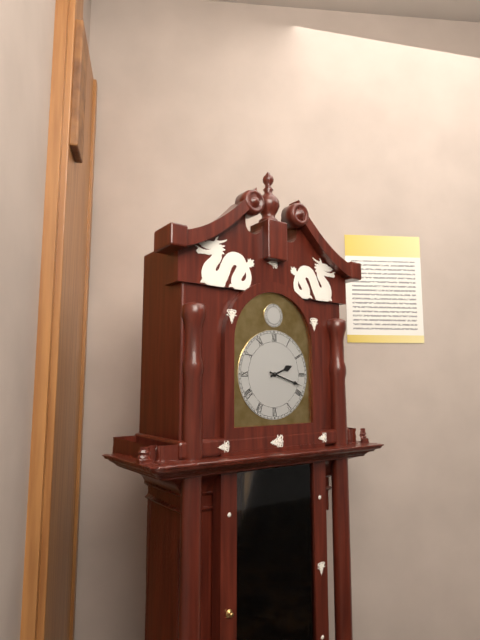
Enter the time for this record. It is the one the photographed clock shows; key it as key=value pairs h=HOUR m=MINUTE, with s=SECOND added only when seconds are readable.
h=2 m=18
